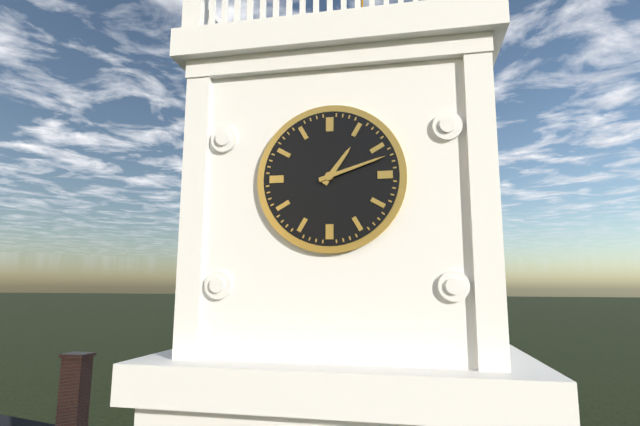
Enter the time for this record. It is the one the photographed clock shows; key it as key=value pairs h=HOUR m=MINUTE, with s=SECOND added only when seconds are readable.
h=1 m=12
